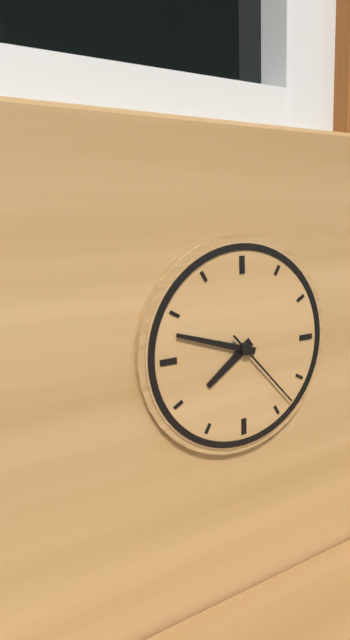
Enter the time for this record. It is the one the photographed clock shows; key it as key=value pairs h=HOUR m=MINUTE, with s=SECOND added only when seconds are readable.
h=7 m=48 s=23
